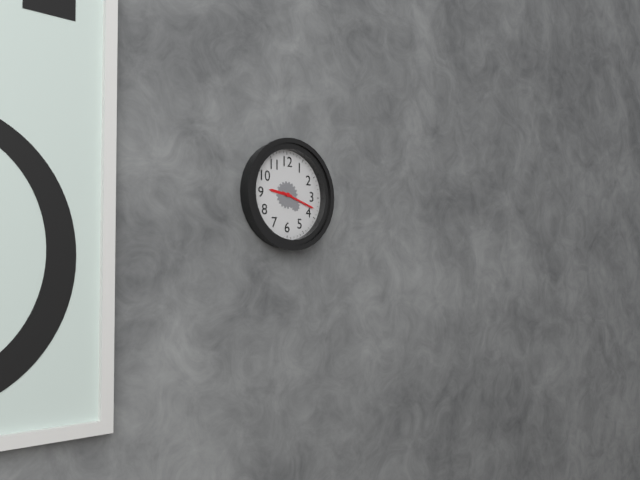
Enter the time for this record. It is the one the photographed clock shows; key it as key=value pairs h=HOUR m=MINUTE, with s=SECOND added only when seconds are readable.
h=9 m=18
